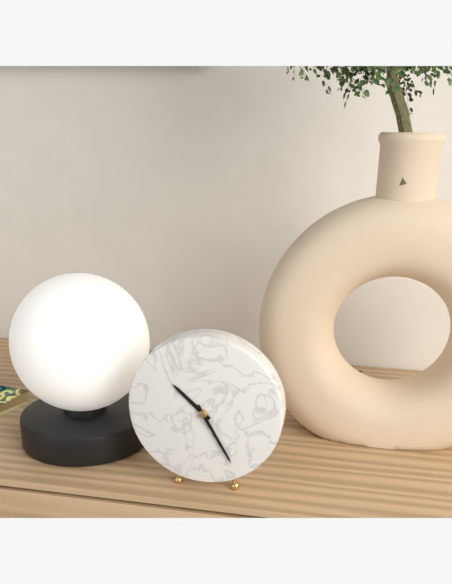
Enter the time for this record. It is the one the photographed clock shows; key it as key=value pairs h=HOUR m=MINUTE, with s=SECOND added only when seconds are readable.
h=10 m=25
